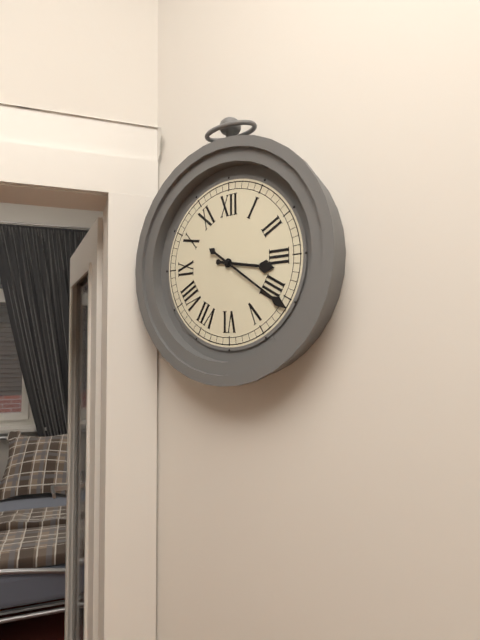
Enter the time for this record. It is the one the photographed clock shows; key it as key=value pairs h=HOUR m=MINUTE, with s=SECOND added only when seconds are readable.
h=3 m=21
